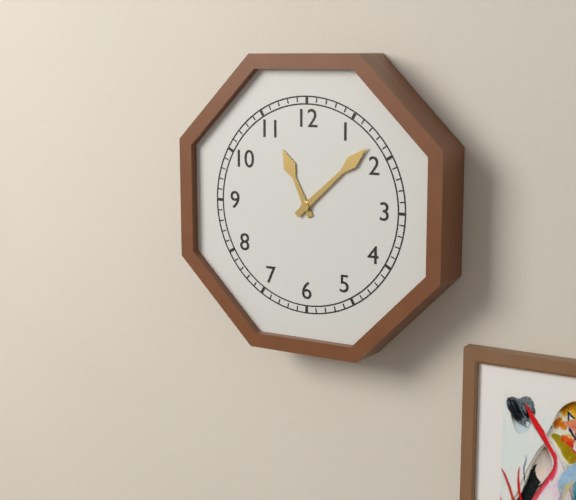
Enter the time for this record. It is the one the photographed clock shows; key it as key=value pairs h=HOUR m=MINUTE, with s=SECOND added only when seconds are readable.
h=11 m=8
